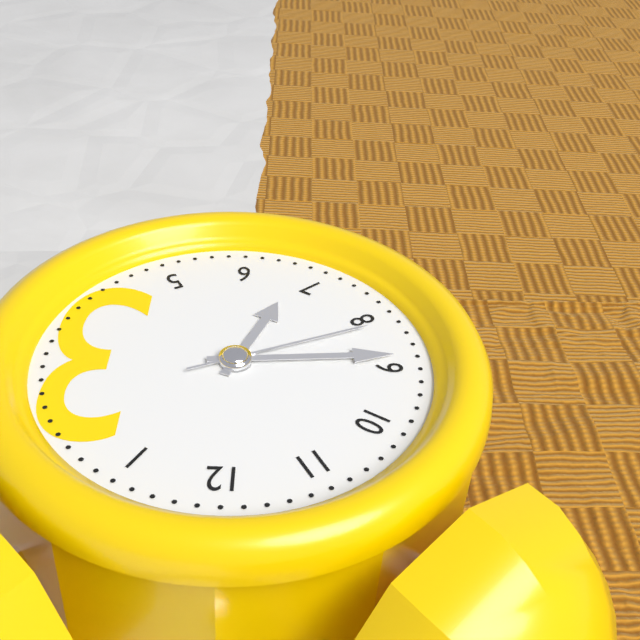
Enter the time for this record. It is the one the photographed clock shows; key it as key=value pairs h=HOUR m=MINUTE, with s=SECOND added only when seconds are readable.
h=6 m=44 s=41
